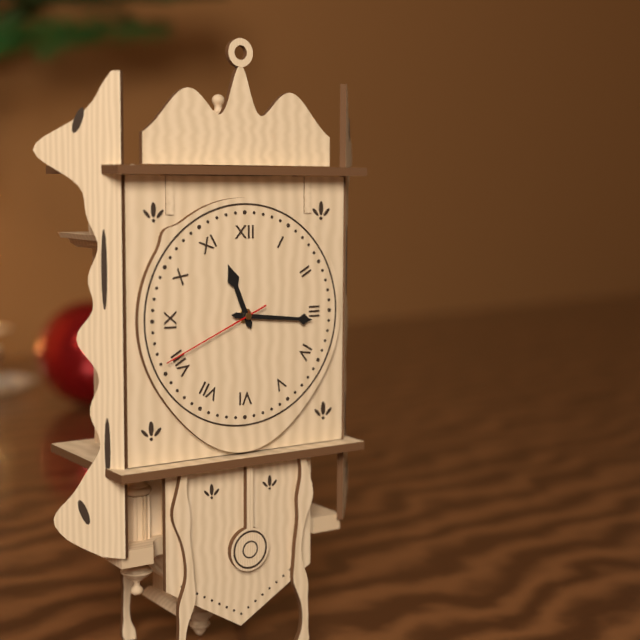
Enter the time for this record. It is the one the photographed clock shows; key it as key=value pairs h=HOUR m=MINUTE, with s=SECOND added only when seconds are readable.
h=11 m=16 s=41
